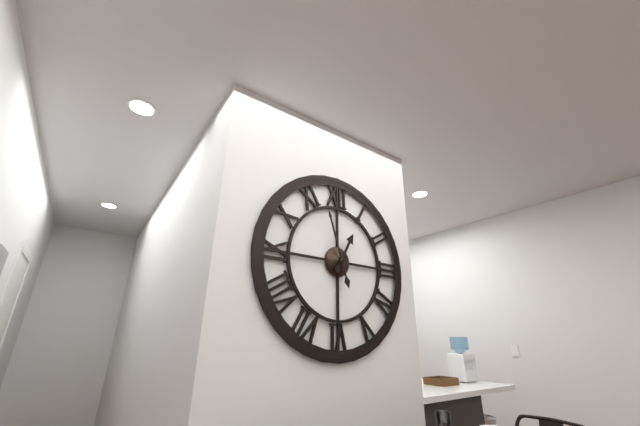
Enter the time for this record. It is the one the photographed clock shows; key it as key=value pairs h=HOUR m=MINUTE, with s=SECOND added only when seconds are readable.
h=12 m=57
